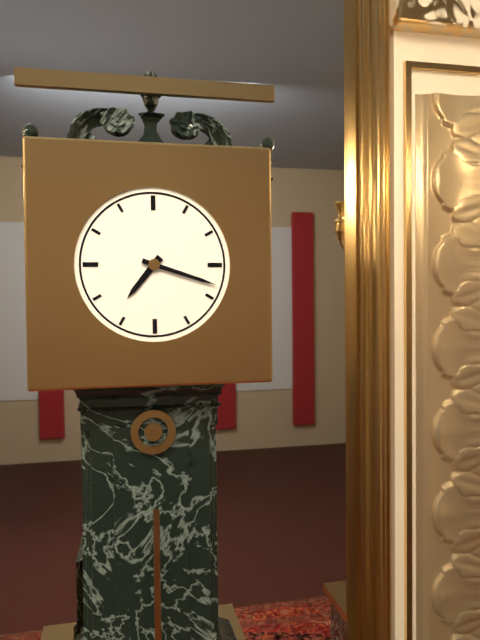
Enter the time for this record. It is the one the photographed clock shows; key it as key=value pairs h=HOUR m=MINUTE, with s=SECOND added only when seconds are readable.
h=7 m=18
